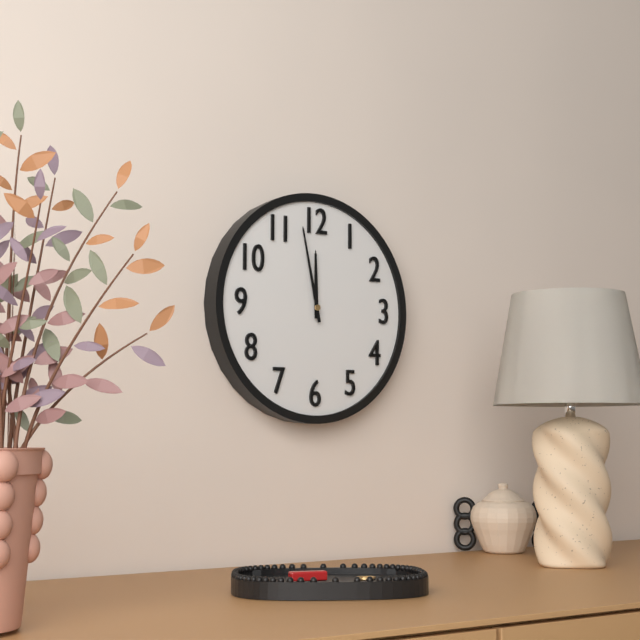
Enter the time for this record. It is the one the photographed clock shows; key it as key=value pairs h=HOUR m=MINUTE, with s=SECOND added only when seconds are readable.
h=11 m=58
